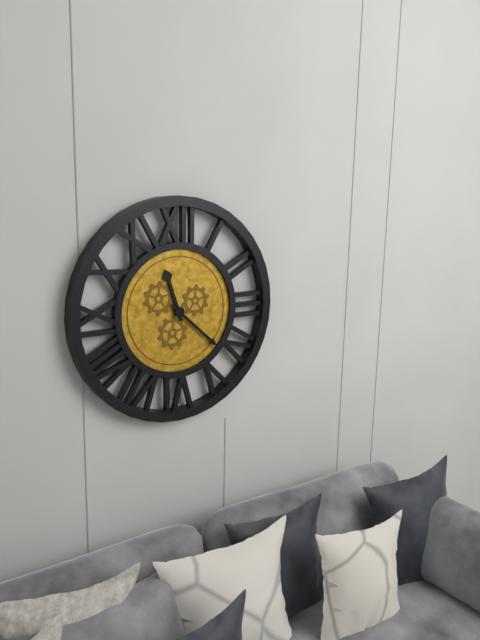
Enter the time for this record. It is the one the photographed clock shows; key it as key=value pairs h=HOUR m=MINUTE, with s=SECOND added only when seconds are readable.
h=11 m=22
